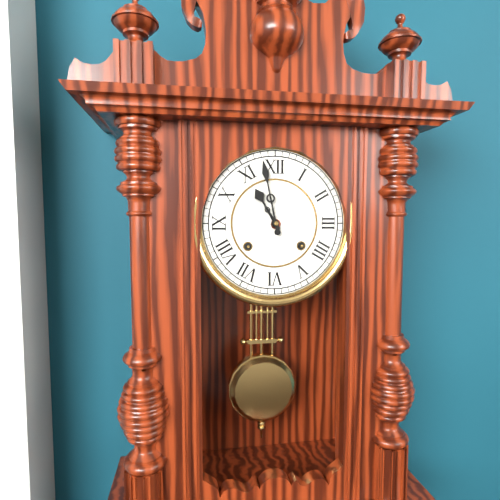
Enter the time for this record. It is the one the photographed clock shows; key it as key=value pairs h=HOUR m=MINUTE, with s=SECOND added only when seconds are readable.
h=10 m=58
